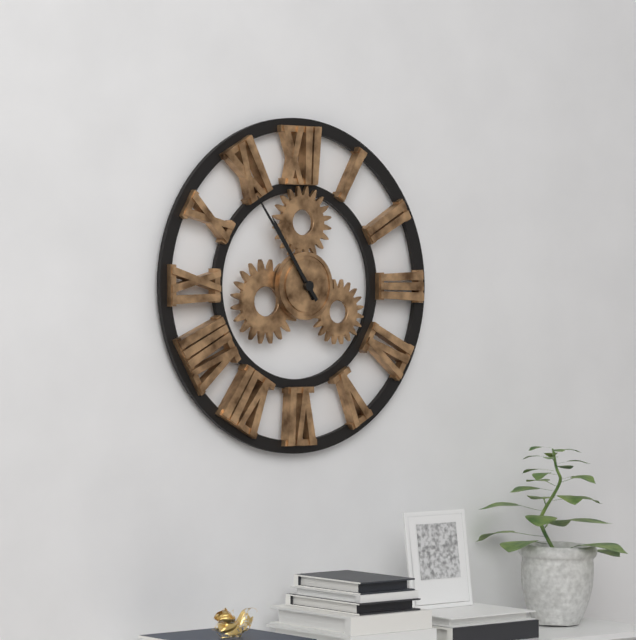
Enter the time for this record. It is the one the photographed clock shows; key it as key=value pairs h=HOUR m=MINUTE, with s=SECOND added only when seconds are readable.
h=10 m=54
